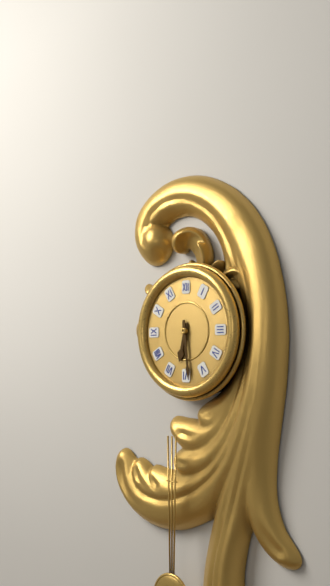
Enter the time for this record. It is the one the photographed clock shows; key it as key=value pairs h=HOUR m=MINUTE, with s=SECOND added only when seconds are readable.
h=6 m=29
